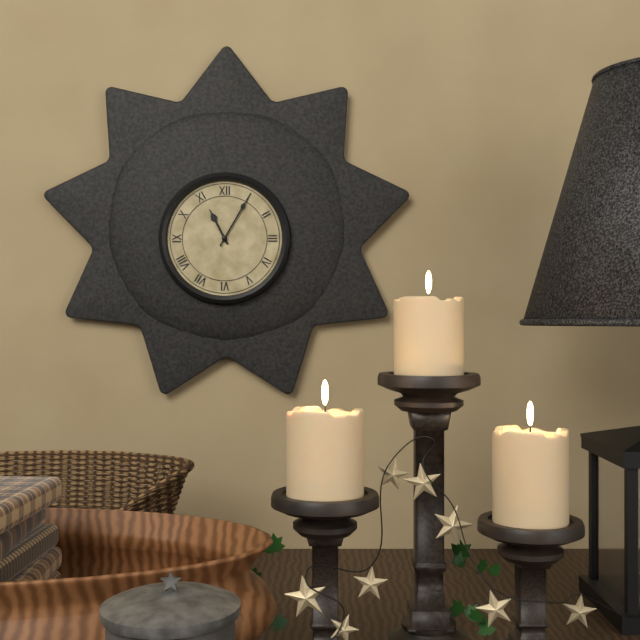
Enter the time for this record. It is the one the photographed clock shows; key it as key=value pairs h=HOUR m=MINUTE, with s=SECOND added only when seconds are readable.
h=11 m=5
